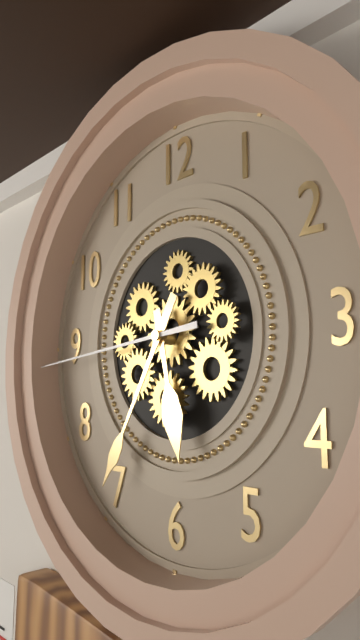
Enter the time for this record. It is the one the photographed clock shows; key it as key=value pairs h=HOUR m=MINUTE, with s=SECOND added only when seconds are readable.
h=5 m=35 s=44
